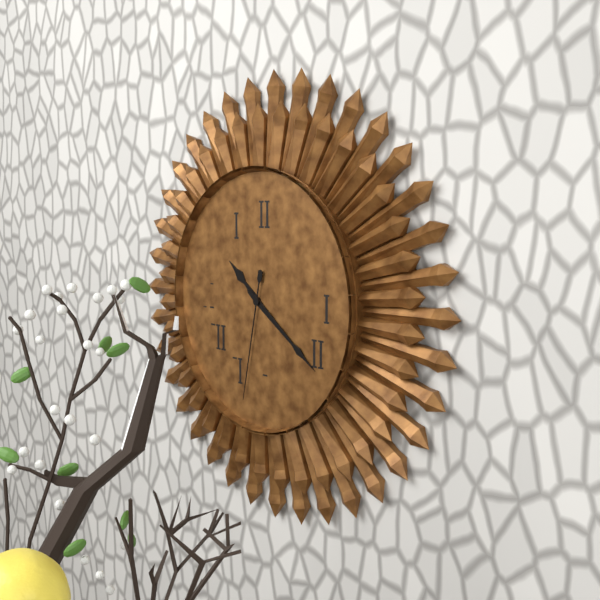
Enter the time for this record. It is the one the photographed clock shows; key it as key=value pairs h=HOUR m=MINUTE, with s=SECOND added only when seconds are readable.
h=10 m=21 s=32
